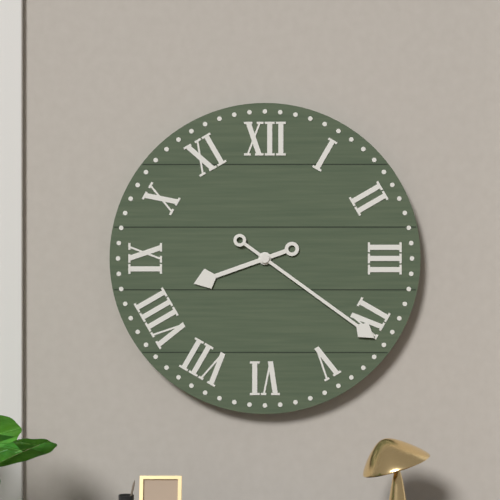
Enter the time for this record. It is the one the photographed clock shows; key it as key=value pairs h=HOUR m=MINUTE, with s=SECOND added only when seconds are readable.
h=8 m=21
